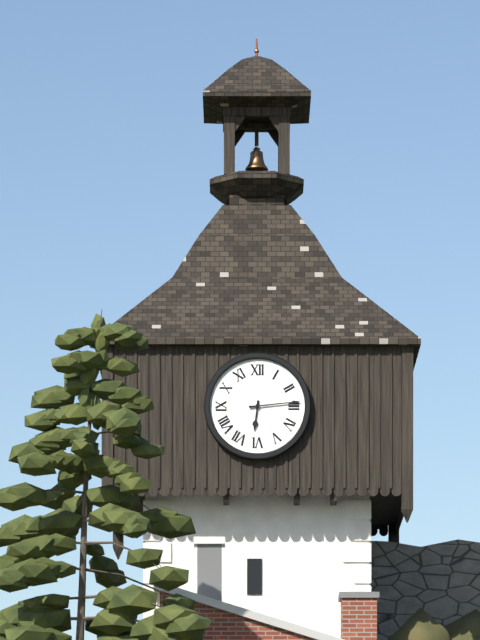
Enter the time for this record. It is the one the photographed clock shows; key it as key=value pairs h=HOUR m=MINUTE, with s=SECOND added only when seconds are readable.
h=6 m=14
